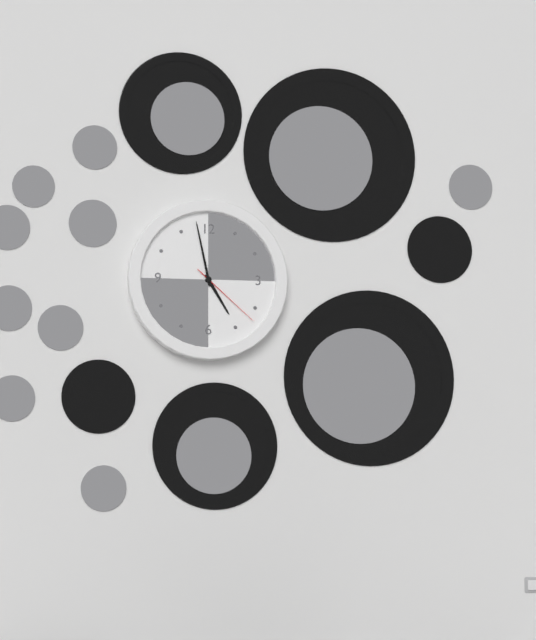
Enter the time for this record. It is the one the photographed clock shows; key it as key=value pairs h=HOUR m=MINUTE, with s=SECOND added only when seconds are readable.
h=4 m=58 s=22
